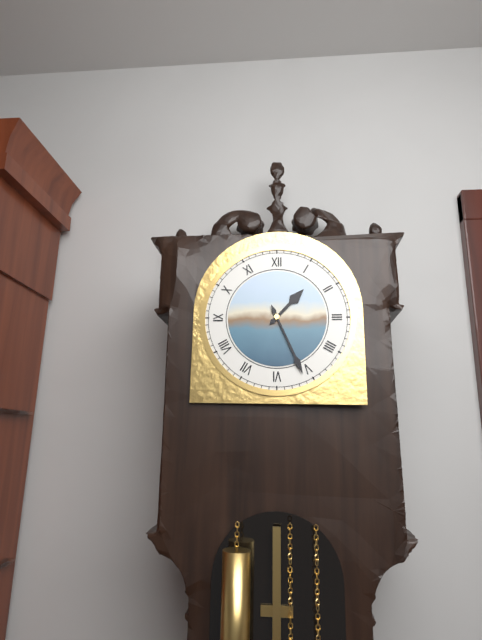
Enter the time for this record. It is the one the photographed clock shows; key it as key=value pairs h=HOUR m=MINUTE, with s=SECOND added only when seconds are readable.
h=1 m=26
